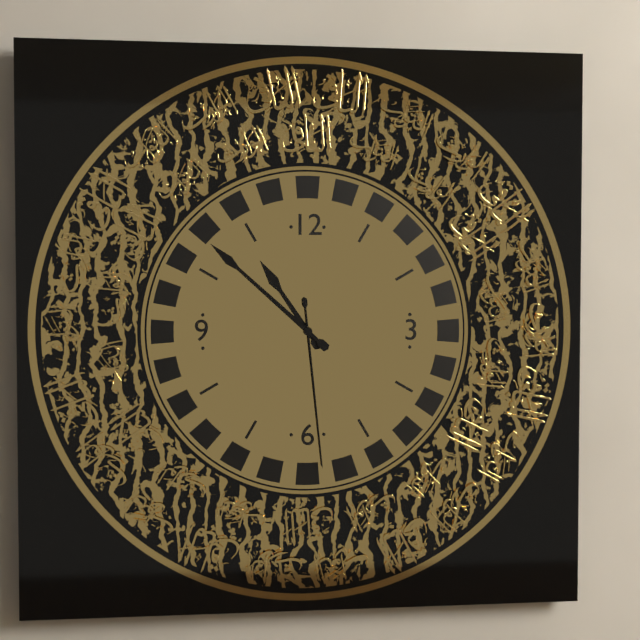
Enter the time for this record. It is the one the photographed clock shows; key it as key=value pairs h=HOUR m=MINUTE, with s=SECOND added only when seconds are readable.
h=10 m=52 s=29
